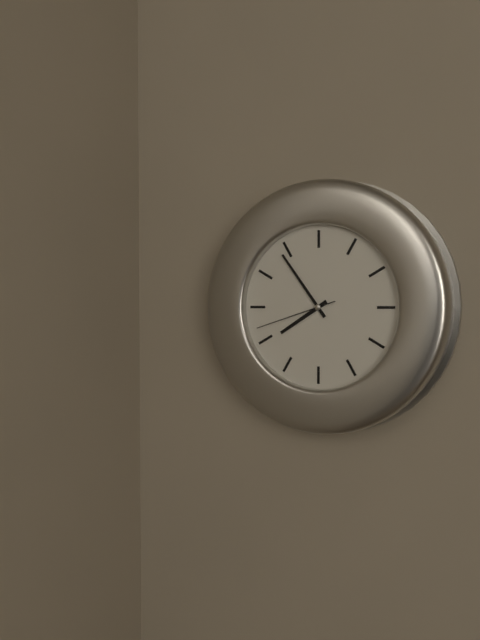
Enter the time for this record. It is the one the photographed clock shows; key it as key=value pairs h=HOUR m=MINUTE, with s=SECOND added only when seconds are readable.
h=7 m=54 s=42
